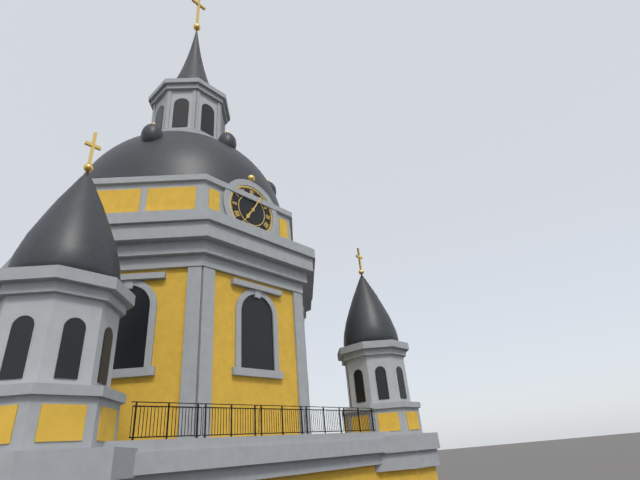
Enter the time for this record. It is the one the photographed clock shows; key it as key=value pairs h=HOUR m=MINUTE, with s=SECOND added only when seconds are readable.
h=7 m=5
